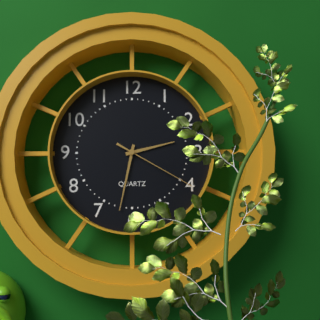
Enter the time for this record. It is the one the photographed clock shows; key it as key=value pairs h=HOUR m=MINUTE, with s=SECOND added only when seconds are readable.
h=2 m=32 s=20
